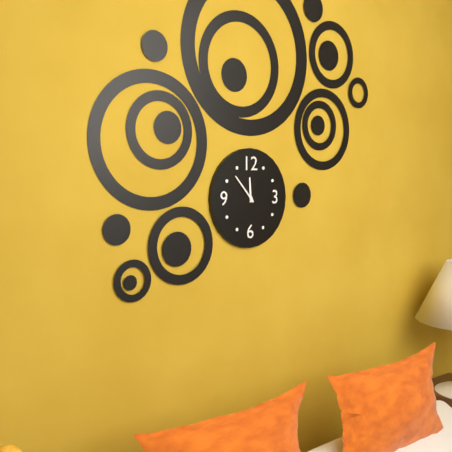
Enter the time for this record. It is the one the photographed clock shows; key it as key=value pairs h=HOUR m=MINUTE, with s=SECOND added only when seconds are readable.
h=11 m=53
